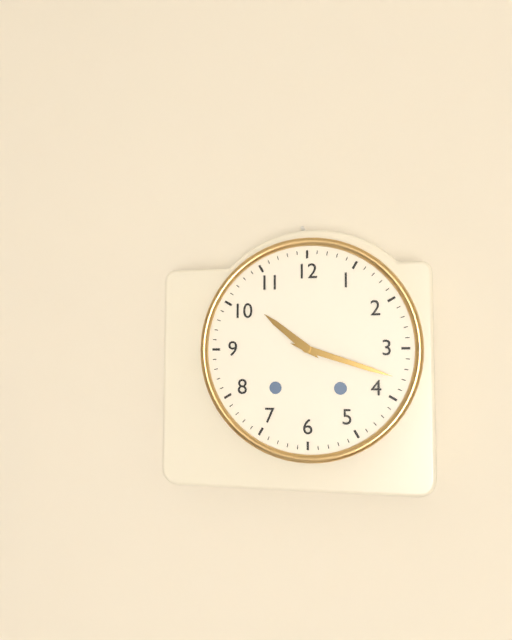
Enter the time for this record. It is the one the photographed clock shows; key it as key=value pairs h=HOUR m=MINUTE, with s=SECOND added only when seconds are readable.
h=10 m=18
